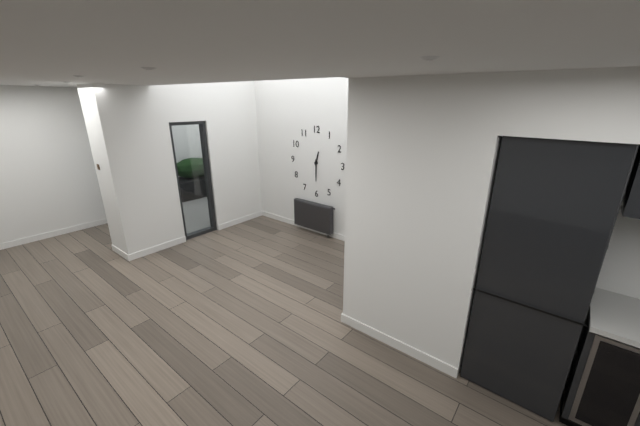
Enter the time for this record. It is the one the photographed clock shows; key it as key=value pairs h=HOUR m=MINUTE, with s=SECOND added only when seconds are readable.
h=12 m=30
